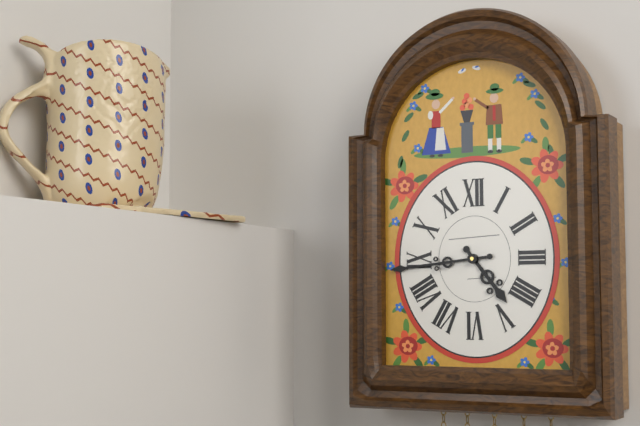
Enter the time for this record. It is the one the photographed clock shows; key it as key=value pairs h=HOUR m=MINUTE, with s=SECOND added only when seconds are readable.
h=4 m=44
